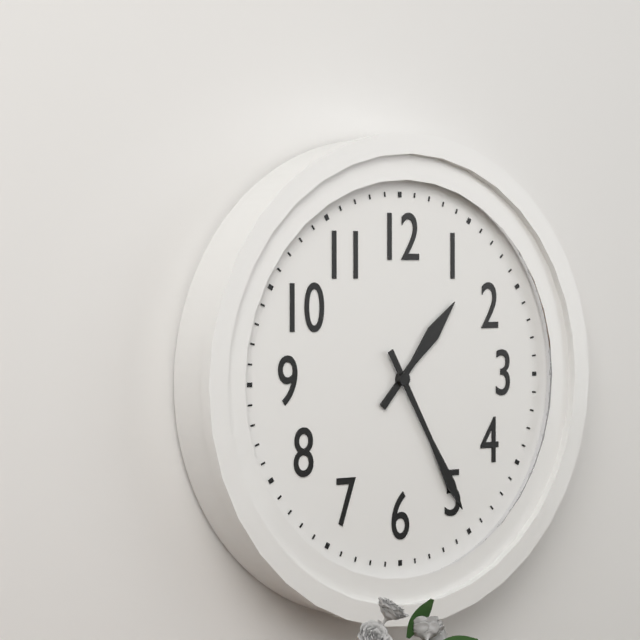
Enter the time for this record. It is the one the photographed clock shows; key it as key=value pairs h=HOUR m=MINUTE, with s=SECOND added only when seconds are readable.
h=1 m=25
